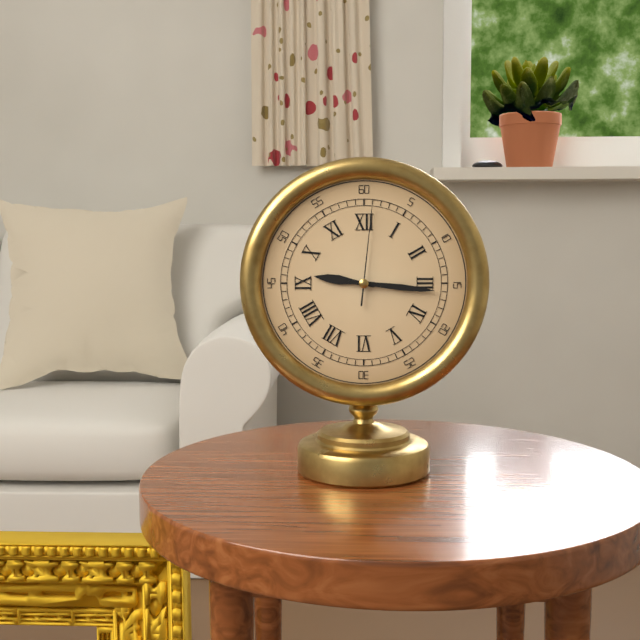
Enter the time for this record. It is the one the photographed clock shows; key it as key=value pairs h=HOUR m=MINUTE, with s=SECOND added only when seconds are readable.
h=9 m=16 s=1
